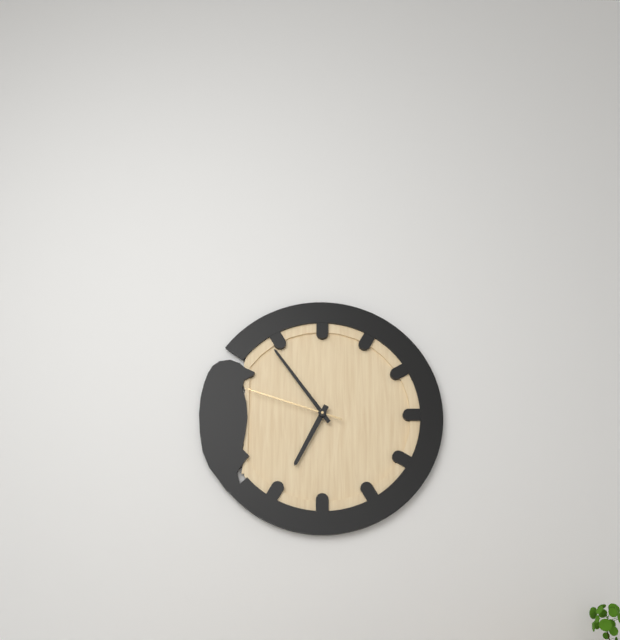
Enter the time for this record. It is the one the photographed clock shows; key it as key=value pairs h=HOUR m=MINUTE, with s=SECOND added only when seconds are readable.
h=6 m=54 s=48
